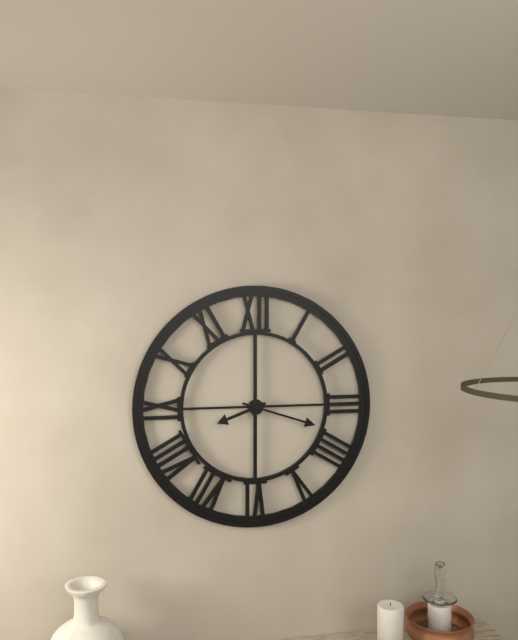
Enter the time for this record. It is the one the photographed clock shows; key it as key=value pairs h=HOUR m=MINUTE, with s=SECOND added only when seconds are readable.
h=8 m=18
